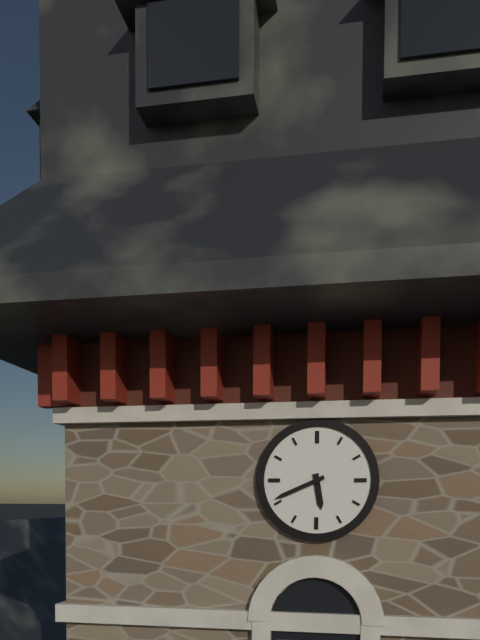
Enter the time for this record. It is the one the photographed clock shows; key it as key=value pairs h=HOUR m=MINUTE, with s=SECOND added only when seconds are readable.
h=5 m=41
